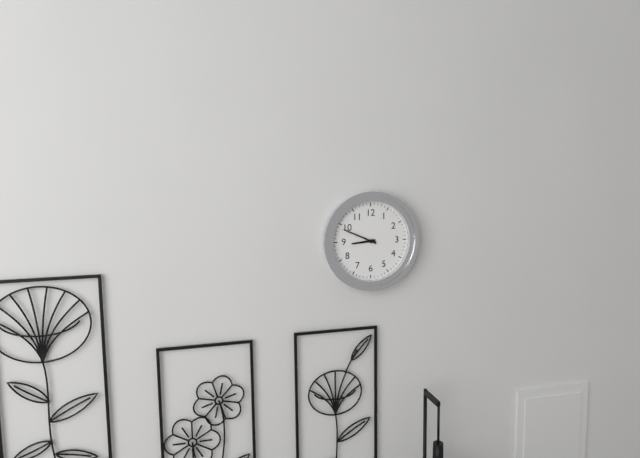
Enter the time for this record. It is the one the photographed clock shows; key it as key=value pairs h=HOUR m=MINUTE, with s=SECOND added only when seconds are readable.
h=8 m=49
